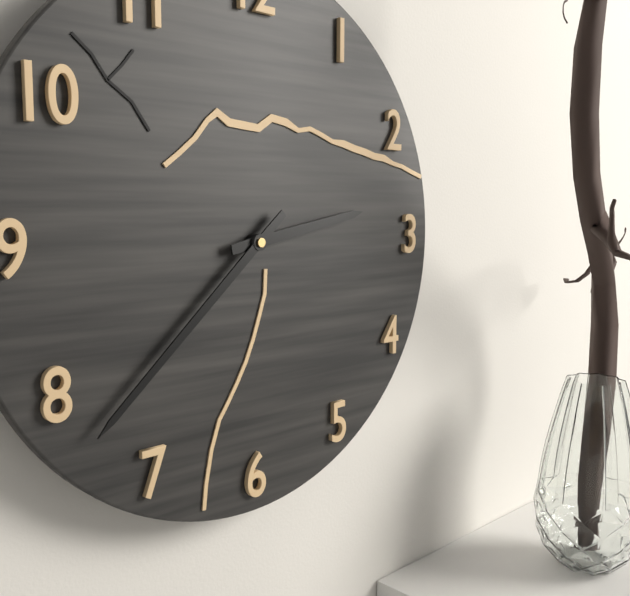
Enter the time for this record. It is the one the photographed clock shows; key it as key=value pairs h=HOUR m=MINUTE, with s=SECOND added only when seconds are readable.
h=2 m=38
